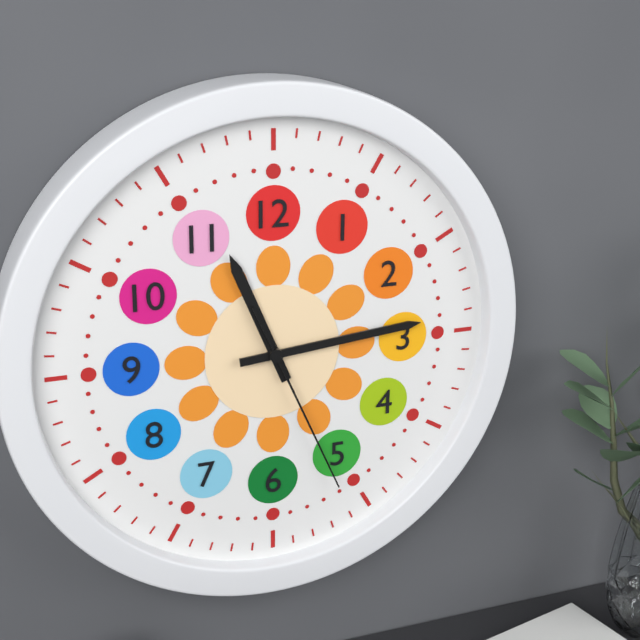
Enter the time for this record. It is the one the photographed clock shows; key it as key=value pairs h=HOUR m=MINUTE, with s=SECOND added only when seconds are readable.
h=11 m=14 s=26
